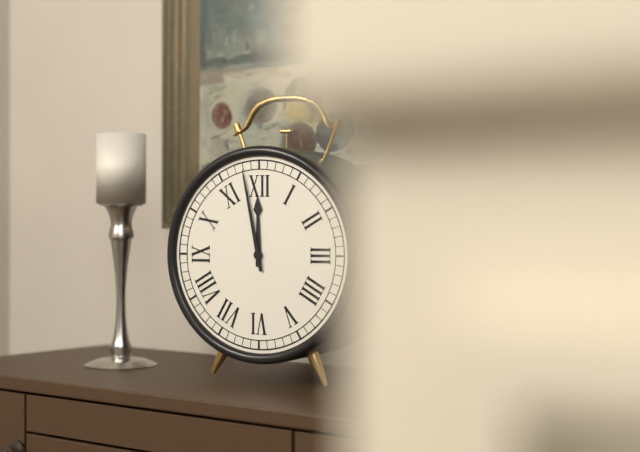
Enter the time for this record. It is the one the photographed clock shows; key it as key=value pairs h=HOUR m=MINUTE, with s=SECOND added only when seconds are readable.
h=11 m=58
